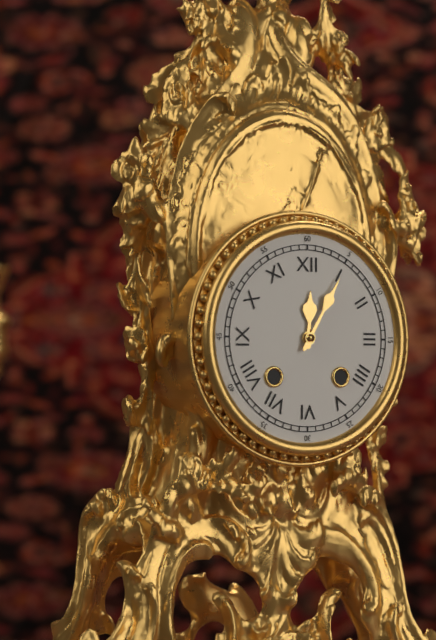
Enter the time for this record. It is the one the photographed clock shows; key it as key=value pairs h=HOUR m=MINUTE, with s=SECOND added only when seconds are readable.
h=12 m=5
